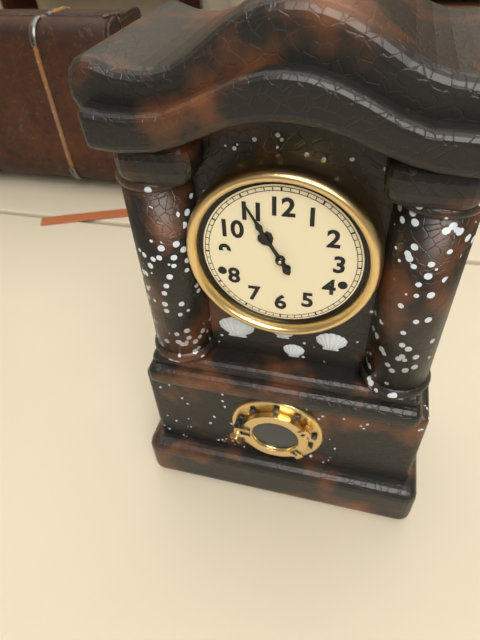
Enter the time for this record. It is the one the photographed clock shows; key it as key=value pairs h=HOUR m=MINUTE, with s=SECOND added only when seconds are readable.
h=10 m=55
